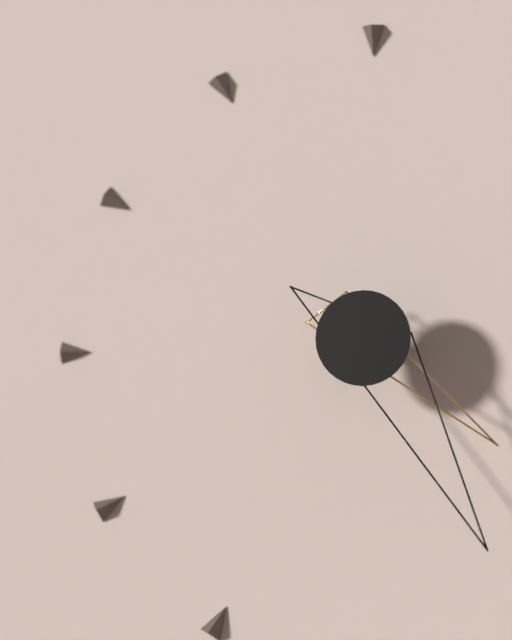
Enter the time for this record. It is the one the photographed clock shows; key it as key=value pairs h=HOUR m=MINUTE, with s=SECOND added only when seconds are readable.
h=4 m=25
